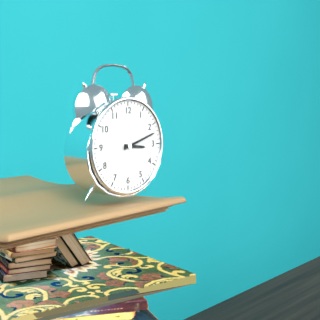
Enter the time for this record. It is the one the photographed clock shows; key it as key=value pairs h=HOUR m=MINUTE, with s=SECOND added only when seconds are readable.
h=3 m=12
